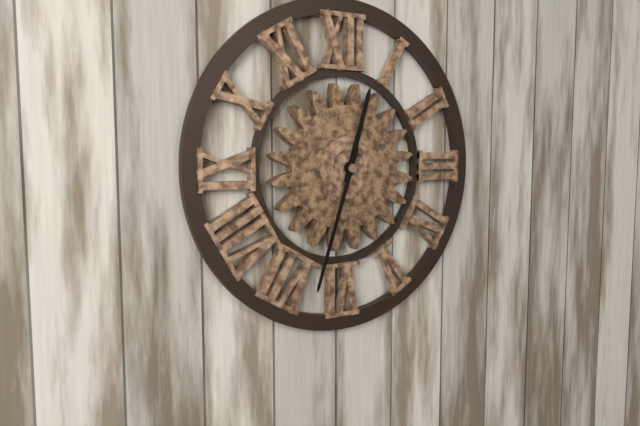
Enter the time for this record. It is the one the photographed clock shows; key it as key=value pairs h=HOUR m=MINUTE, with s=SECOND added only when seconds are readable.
h=12 m=33
